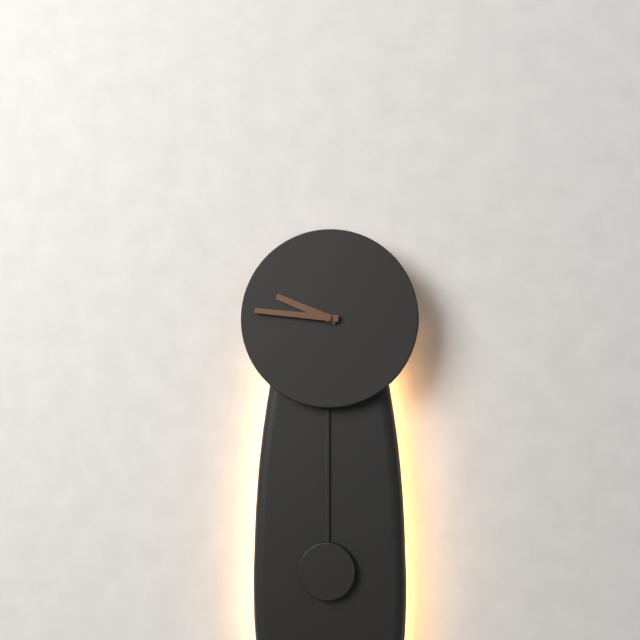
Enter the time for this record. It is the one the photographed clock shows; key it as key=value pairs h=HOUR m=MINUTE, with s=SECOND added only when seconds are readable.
h=9 m=46
